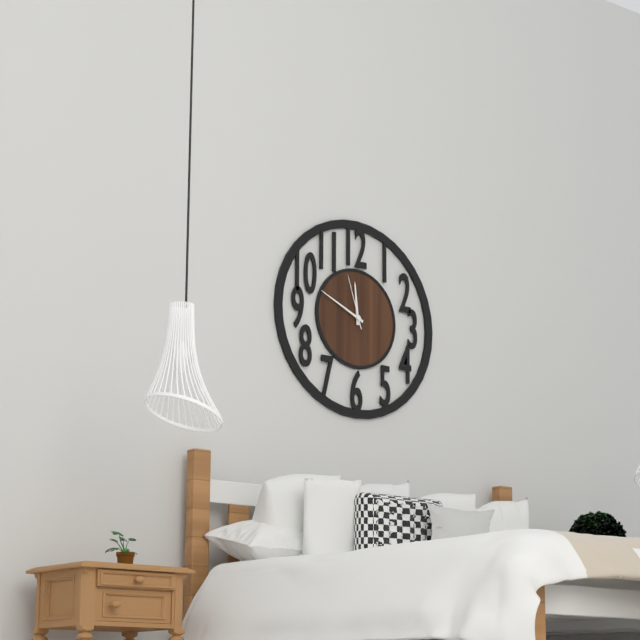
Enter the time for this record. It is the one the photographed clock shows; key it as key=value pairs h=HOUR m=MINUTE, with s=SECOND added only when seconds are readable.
h=11 m=49 s=57
